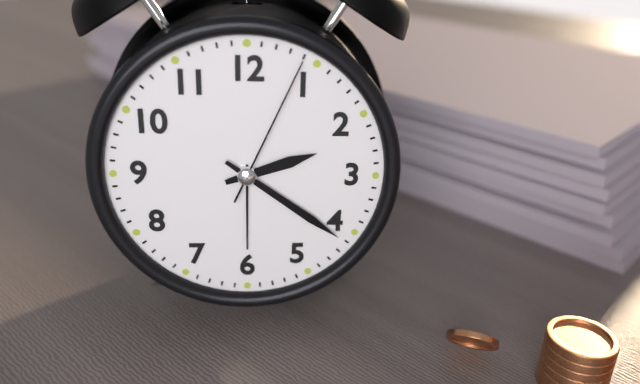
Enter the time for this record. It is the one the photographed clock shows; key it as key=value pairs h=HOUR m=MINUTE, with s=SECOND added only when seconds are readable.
h=2 m=21 s=4
